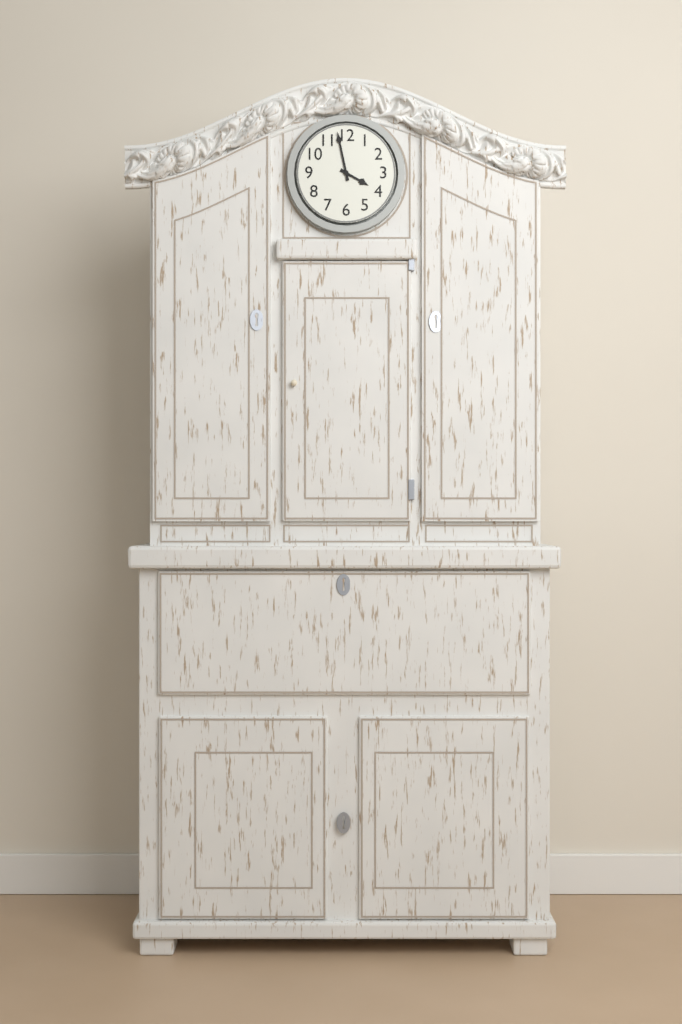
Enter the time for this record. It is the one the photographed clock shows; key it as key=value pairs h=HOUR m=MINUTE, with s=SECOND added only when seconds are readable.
h=3 m=58
